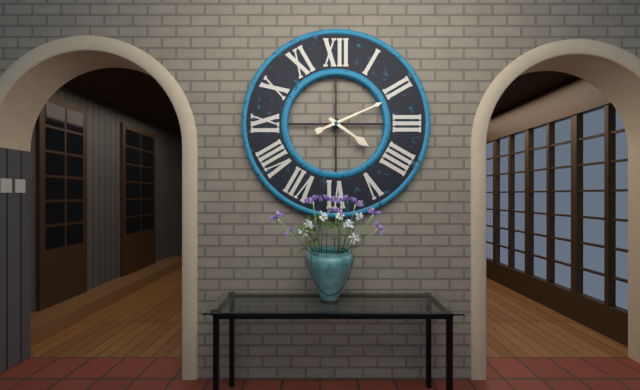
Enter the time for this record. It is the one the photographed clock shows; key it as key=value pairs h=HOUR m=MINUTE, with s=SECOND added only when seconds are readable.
h=4 m=11
